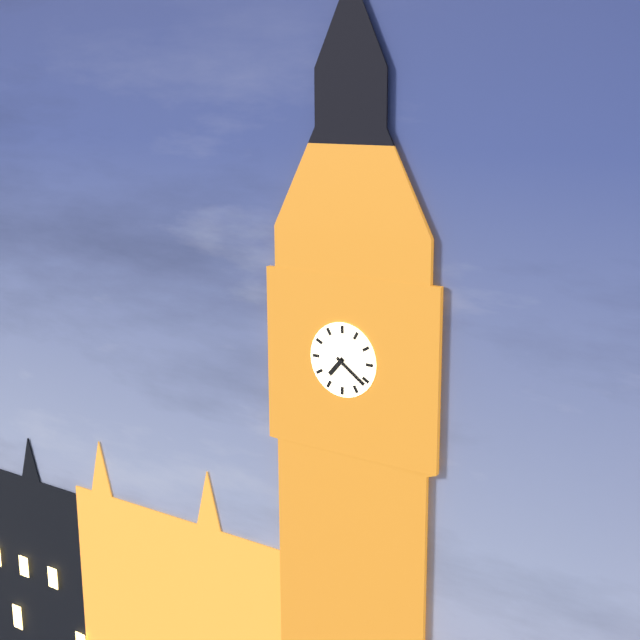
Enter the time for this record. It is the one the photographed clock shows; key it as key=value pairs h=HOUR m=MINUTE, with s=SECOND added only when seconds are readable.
h=7 m=21
